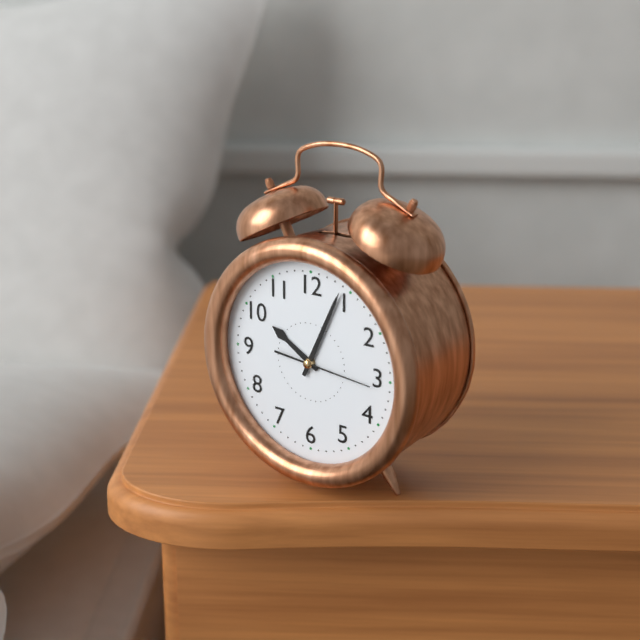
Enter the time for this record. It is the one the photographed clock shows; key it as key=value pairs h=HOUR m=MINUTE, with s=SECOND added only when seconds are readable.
h=10 m=4 s=16
